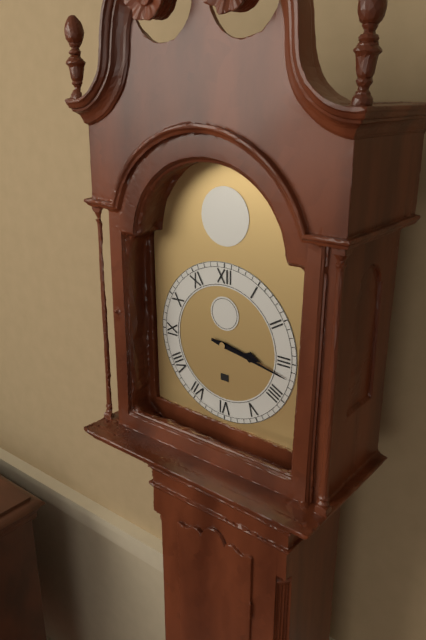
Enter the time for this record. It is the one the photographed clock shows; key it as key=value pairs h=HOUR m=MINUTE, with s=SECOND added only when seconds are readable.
h=3 m=17
